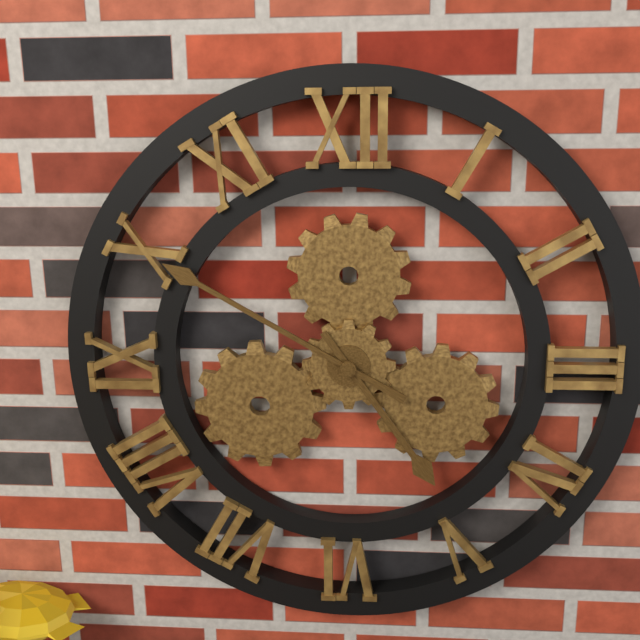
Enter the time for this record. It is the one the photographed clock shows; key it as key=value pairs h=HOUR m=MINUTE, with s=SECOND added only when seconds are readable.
h=4 m=50
